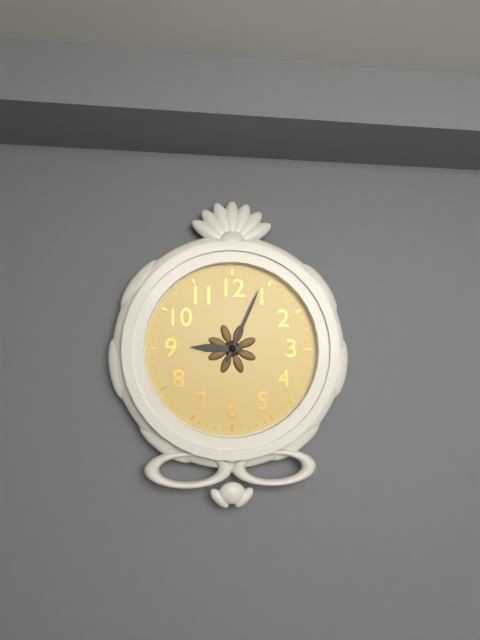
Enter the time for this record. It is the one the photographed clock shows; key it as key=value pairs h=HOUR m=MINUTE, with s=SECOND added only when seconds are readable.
h=9 m=4
